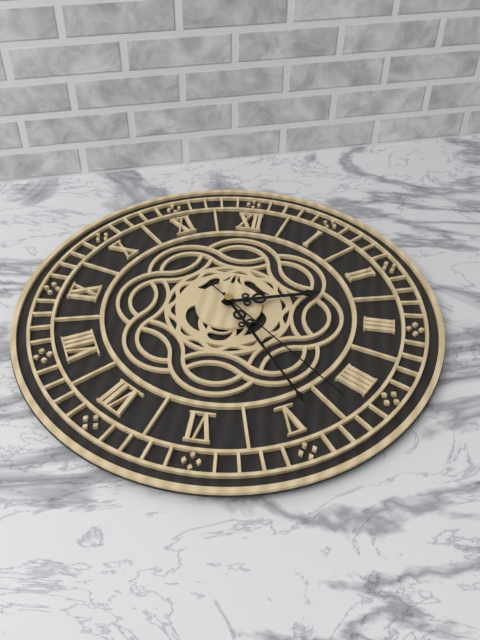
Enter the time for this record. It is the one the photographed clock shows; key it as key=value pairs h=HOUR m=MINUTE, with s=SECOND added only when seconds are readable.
h=2 m=24 s=22
